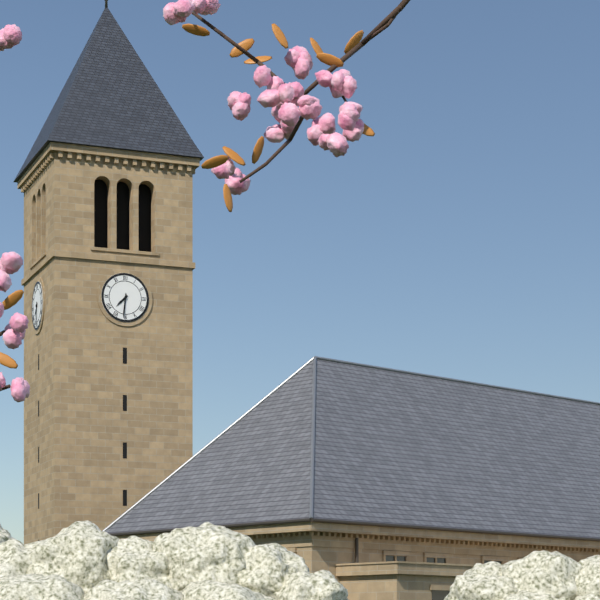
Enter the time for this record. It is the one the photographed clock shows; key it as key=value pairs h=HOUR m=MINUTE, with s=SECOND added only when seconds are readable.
h=7 m=31
